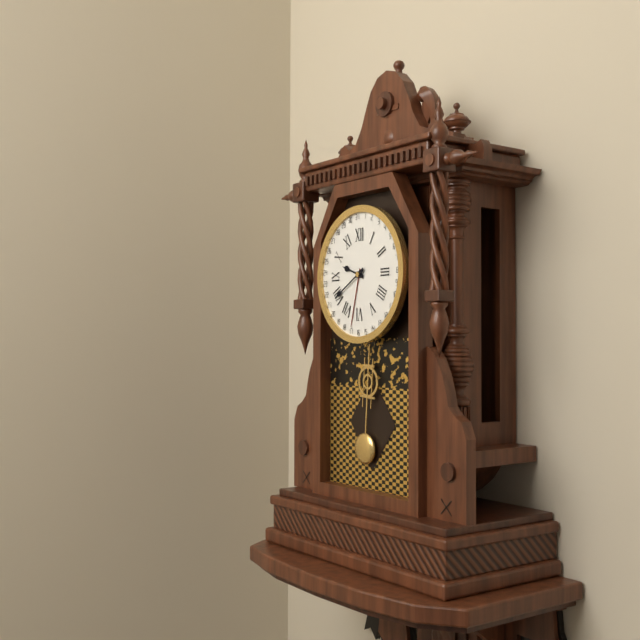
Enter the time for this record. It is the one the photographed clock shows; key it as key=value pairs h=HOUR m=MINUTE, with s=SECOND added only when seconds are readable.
h=9 m=40
